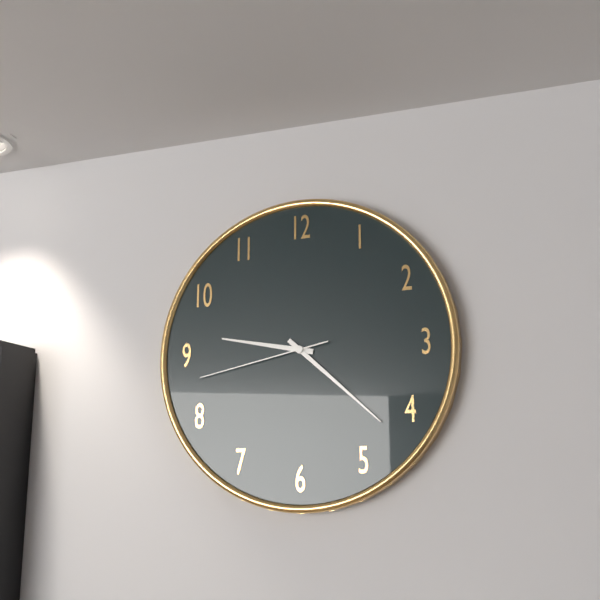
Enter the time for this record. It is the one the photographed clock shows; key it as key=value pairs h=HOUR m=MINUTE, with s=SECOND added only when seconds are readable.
h=9 m=22 s=43
